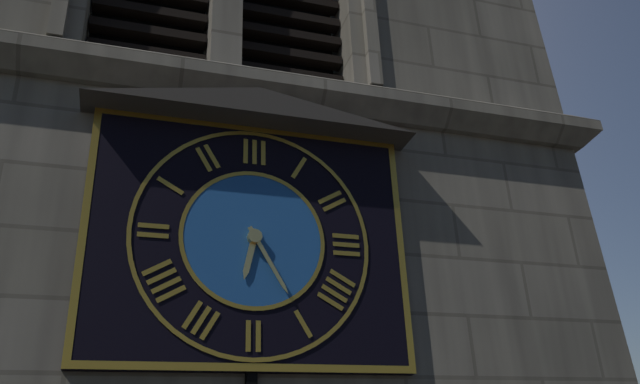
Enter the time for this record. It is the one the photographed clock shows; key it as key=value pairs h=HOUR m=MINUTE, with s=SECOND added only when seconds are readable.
h=6 m=25
